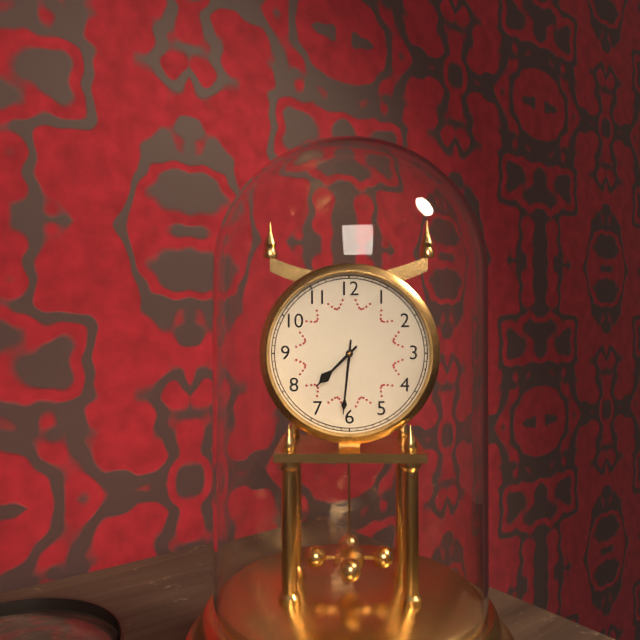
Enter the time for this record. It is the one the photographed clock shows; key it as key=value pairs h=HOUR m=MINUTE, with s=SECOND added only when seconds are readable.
h=7 m=31
